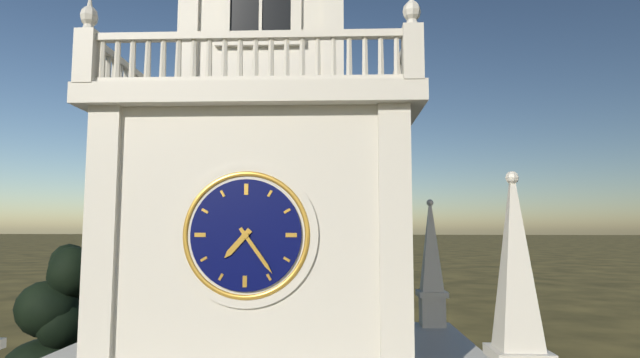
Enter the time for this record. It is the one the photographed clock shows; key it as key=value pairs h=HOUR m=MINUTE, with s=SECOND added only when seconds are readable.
h=7 m=24
